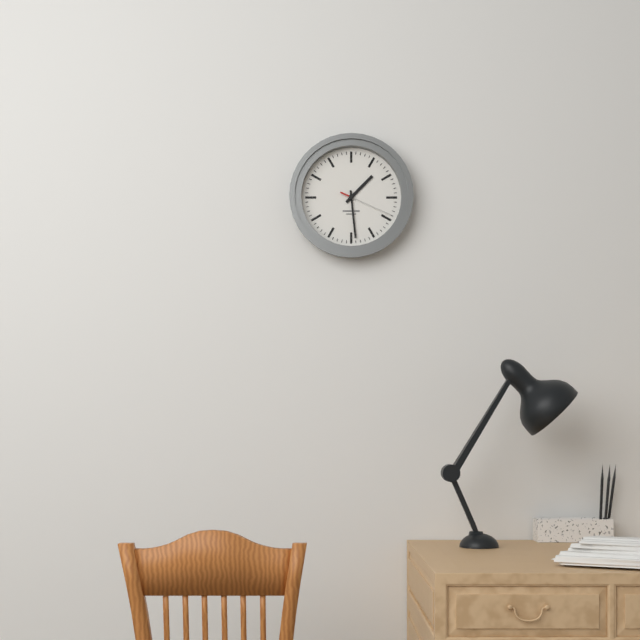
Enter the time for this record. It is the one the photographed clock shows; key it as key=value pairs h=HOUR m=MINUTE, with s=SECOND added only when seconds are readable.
h=1 m=29 s=19
